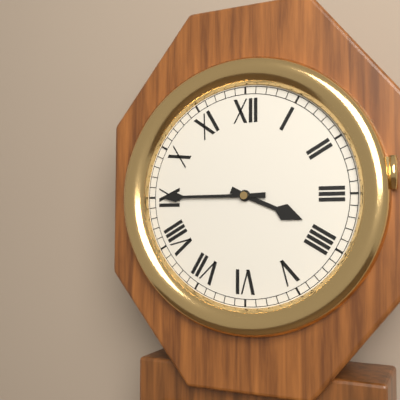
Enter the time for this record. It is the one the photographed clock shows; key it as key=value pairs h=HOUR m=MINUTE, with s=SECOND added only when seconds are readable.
h=3 m=45
